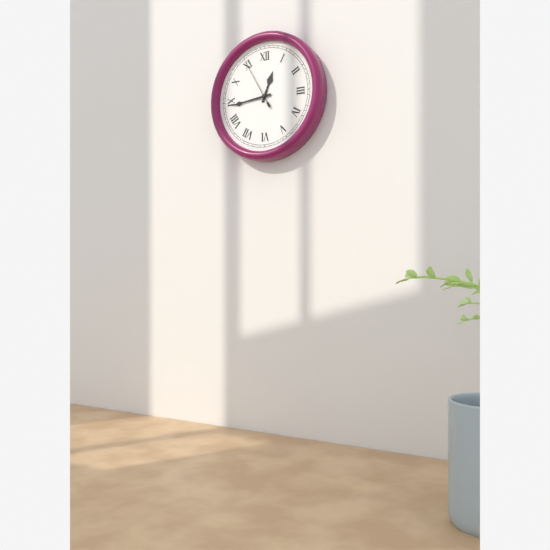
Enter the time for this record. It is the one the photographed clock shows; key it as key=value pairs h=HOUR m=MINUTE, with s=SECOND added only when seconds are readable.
h=12 m=44 s=55
